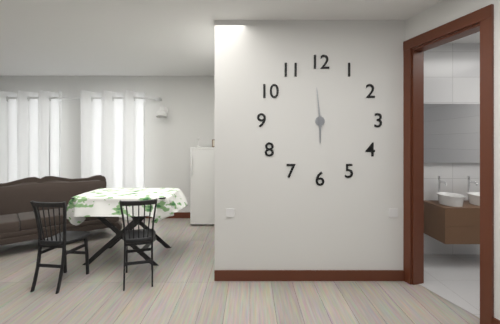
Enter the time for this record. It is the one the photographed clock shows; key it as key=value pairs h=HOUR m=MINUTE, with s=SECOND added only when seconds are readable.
h=5 m=59
